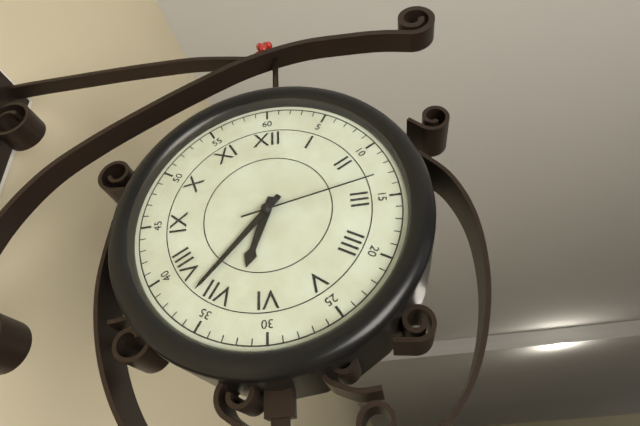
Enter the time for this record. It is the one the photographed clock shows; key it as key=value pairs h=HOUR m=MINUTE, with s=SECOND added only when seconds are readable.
h=6 m=37 s=13
